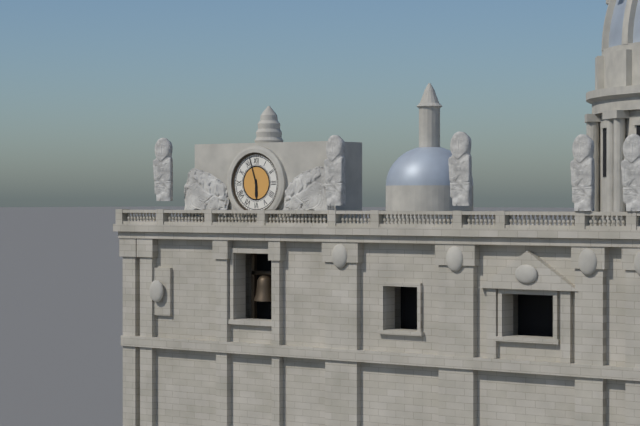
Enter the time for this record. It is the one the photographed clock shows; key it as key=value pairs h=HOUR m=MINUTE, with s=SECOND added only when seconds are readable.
h=5 m=57
